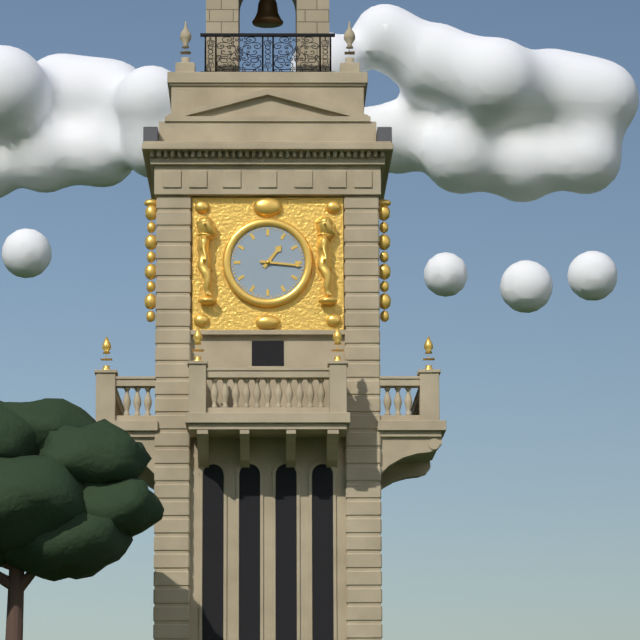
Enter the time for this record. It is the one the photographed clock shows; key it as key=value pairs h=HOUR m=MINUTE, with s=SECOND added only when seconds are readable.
h=1 m=16
